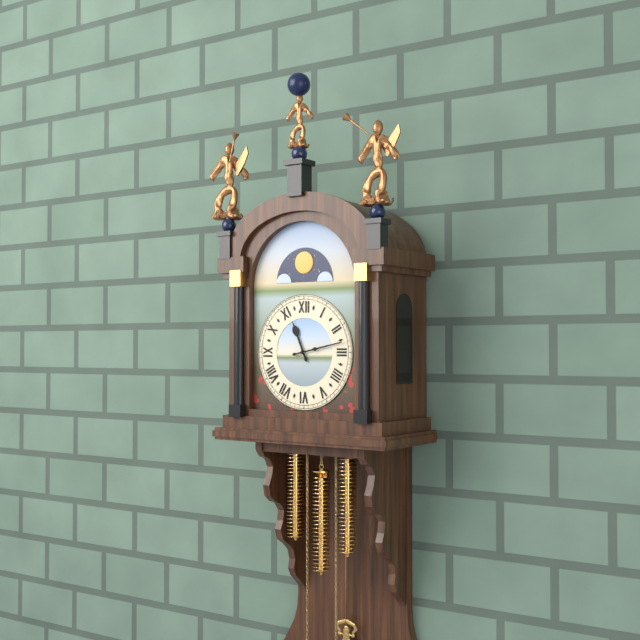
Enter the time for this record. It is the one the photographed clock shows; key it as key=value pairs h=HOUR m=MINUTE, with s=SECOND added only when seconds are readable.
h=11 m=13
